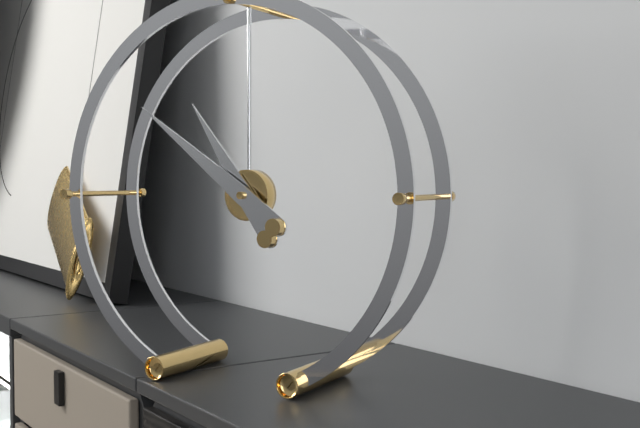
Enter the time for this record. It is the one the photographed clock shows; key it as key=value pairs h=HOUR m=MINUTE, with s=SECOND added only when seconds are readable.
h=10 m=51
